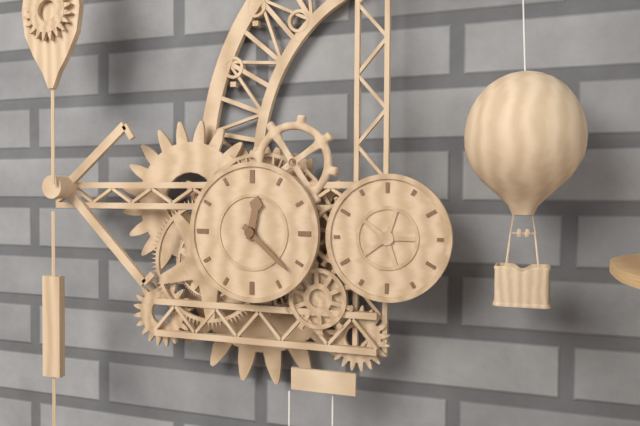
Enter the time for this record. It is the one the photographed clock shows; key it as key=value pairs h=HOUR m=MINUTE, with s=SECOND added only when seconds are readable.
h=12 m=22
